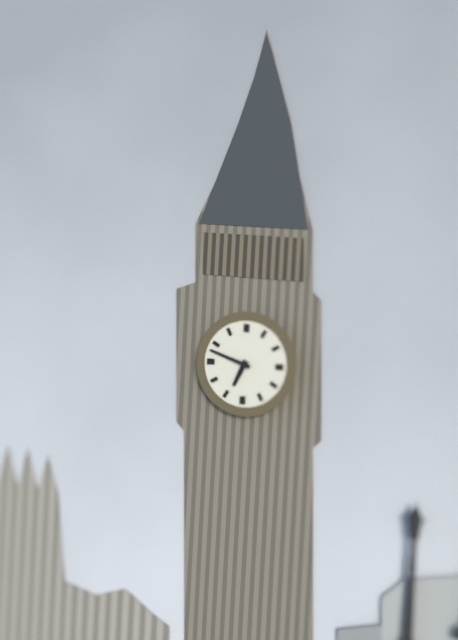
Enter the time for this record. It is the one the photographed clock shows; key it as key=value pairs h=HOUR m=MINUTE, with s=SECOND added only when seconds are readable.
h=6 m=48
